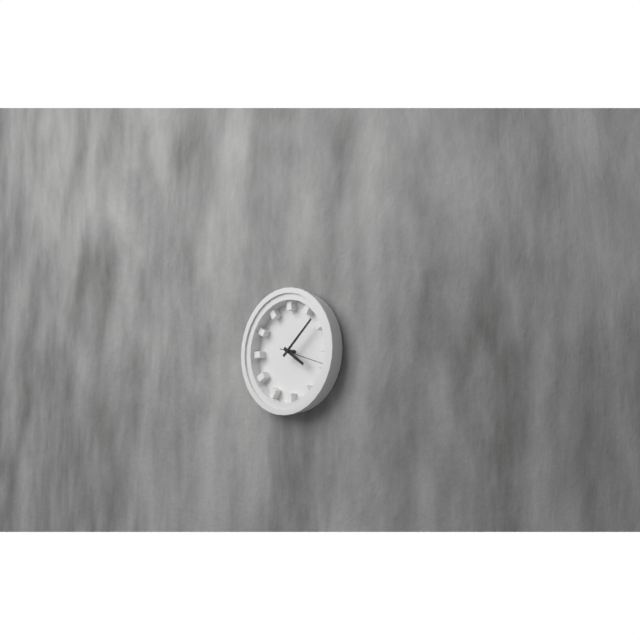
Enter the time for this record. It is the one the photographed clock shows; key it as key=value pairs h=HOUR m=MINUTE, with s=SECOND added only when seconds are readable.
h=4 m=8
